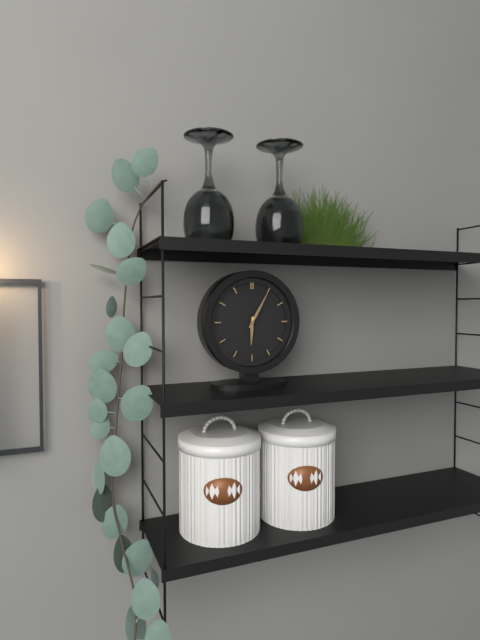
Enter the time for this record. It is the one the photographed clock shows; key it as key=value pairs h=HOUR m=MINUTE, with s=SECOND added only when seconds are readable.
h=6 m=5
